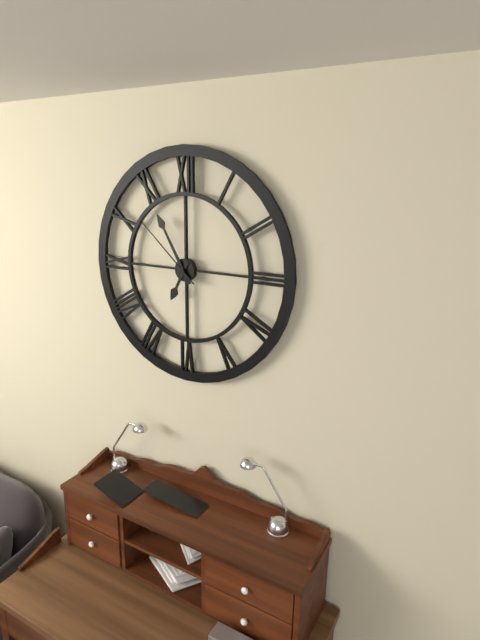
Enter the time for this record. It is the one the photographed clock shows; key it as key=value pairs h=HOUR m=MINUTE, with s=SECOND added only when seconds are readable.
h=6 m=55 s=52
